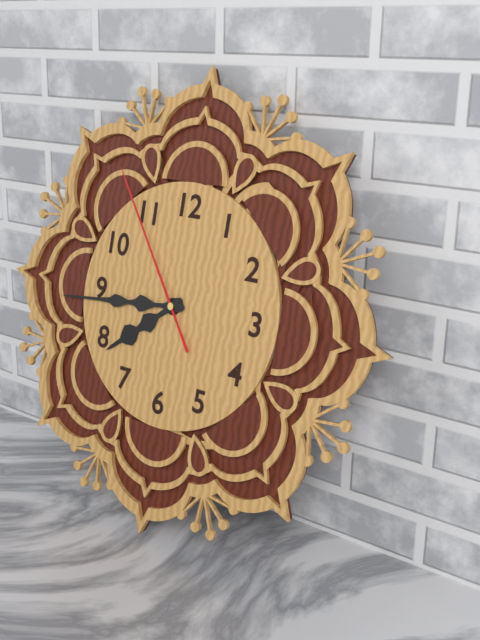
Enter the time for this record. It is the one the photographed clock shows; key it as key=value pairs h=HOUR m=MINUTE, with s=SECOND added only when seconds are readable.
h=7 m=44 s=54
